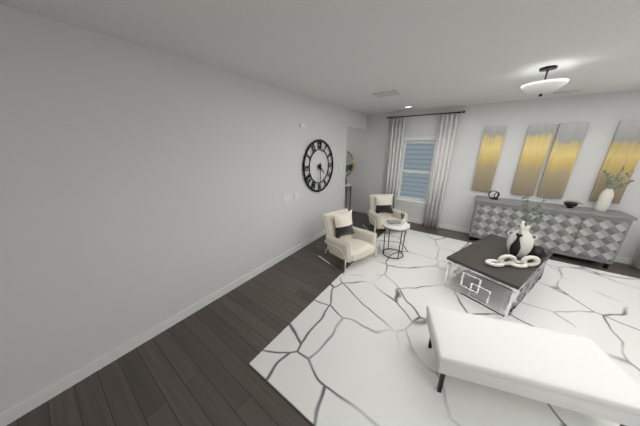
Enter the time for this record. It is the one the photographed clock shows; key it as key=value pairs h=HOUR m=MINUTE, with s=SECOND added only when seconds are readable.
h=4 m=30
